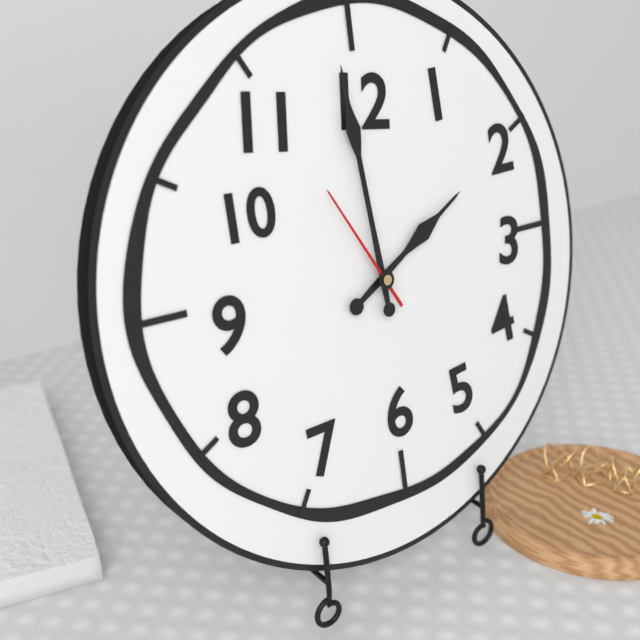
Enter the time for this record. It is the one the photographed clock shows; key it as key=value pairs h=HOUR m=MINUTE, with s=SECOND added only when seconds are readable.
h=1 m=59 s=55
